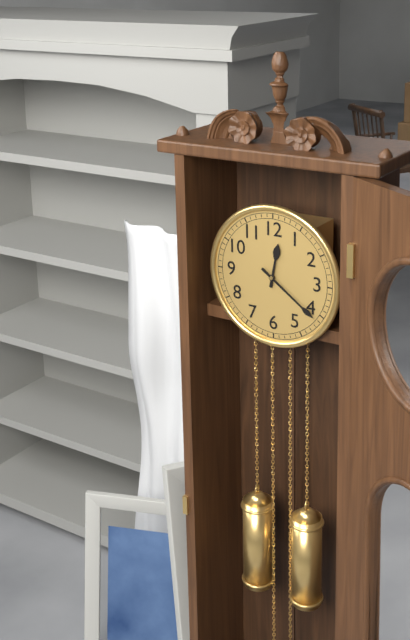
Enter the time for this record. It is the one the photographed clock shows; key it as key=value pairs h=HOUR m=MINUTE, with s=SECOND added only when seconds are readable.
h=12 m=21
